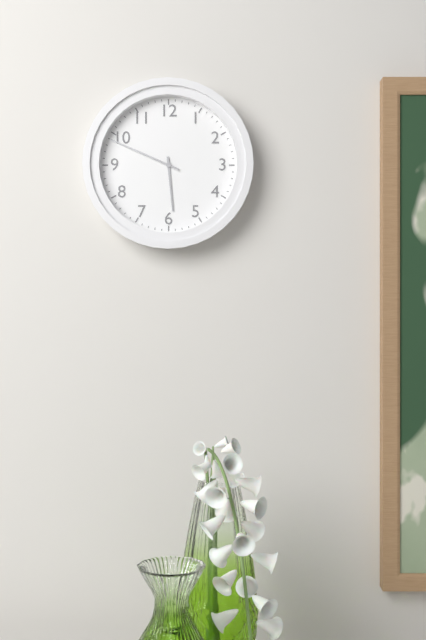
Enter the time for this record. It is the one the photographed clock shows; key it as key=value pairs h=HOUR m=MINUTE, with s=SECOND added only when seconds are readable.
h=5 m=49
